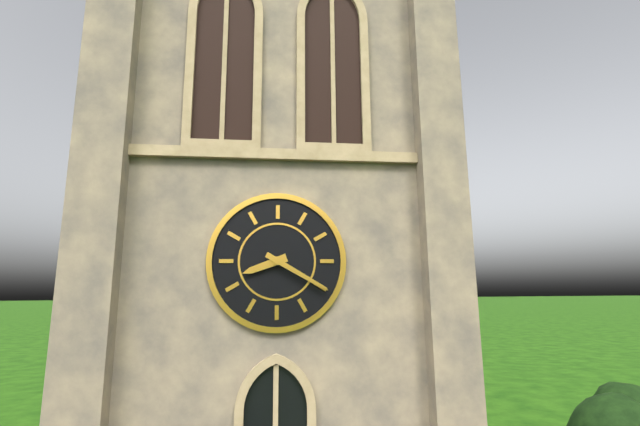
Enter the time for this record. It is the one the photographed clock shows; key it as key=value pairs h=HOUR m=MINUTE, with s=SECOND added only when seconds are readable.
h=8 m=20
